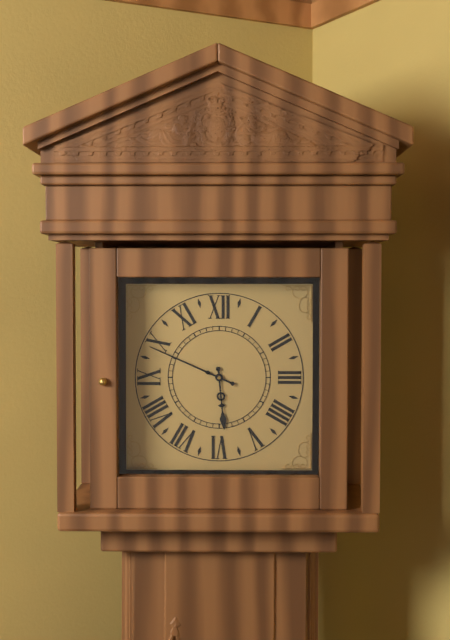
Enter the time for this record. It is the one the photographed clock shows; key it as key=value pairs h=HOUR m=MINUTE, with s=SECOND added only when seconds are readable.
h=5 m=49
